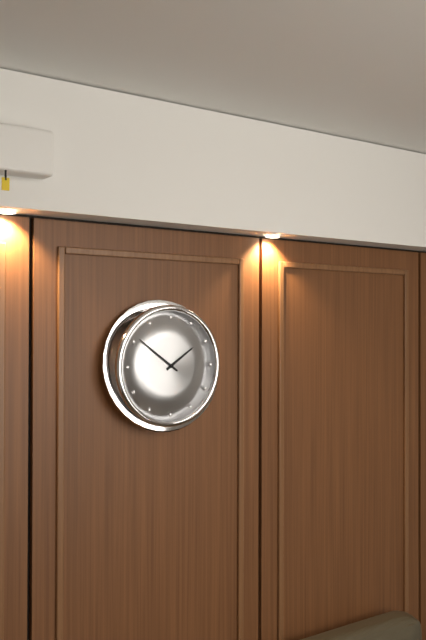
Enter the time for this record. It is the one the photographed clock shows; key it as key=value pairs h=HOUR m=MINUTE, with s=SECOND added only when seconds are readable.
h=1 m=51
